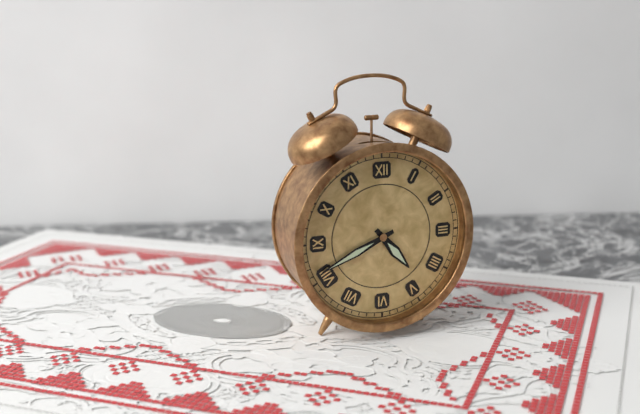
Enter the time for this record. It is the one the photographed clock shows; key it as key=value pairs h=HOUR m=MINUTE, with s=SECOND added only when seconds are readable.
h=4 m=41
